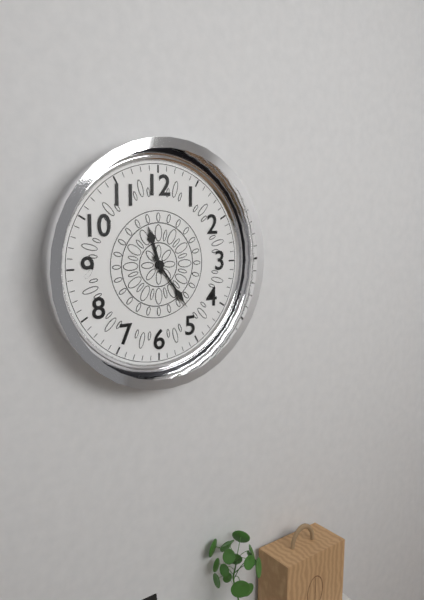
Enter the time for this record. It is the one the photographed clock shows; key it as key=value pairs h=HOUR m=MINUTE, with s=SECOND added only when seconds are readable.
h=11 m=24
